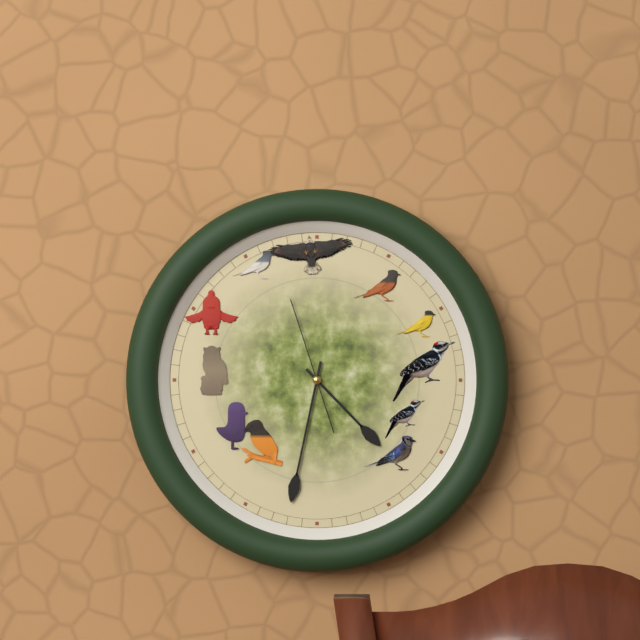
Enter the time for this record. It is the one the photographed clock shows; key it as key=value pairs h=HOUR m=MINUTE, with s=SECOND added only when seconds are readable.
h=4 m=32 s=57
